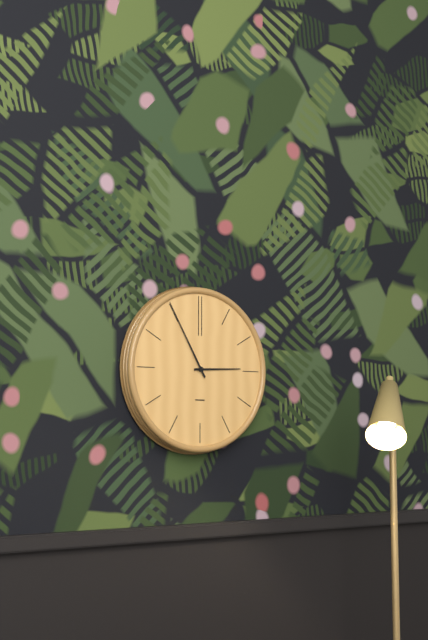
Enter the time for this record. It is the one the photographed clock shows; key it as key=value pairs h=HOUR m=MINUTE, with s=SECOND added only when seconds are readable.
h=2 m=55
